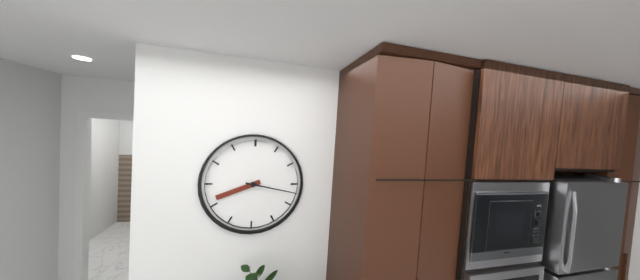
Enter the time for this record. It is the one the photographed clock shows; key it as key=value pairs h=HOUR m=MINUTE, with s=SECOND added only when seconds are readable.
h=8 m=17
